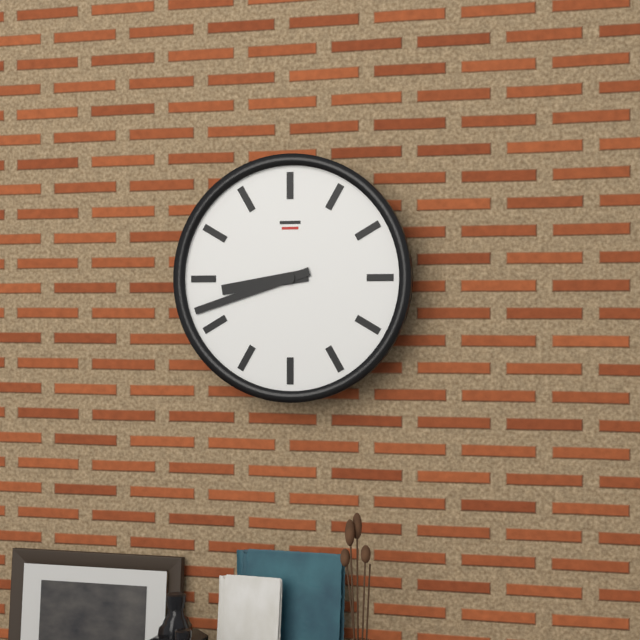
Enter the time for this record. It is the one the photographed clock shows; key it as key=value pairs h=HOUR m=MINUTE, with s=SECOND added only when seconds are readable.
h=8 m=42
